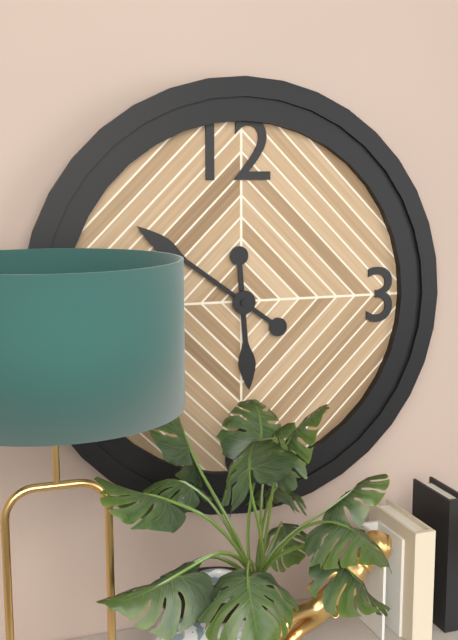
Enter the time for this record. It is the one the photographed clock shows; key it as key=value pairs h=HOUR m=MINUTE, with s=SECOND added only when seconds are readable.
h=5 m=51
